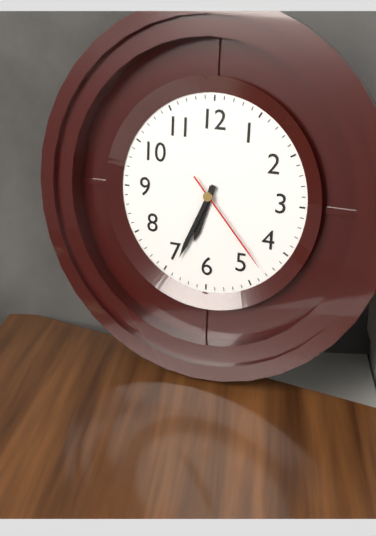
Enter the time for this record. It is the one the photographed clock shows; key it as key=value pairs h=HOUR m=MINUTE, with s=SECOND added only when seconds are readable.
h=6 m=34 s=23
